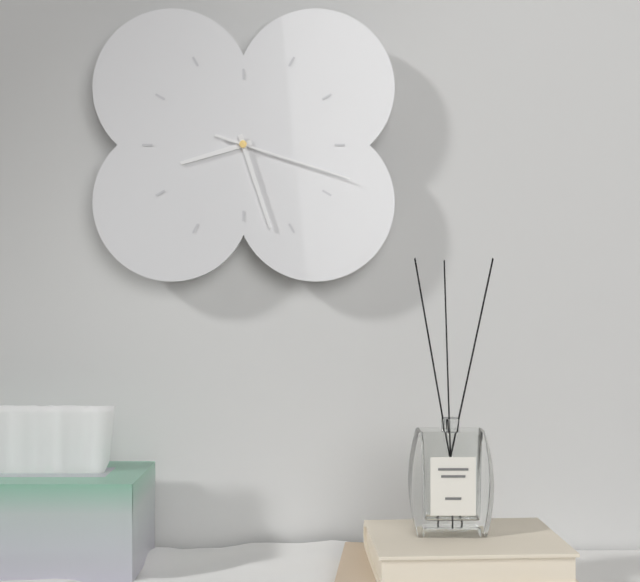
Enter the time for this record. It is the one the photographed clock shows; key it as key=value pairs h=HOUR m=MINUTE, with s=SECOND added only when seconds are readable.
h=8 m=27 s=18
